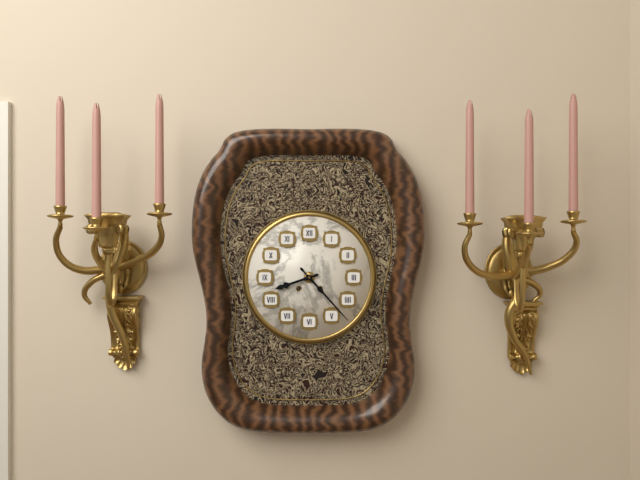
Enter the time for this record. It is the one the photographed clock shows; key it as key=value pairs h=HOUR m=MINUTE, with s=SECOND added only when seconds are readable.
h=8 m=23
